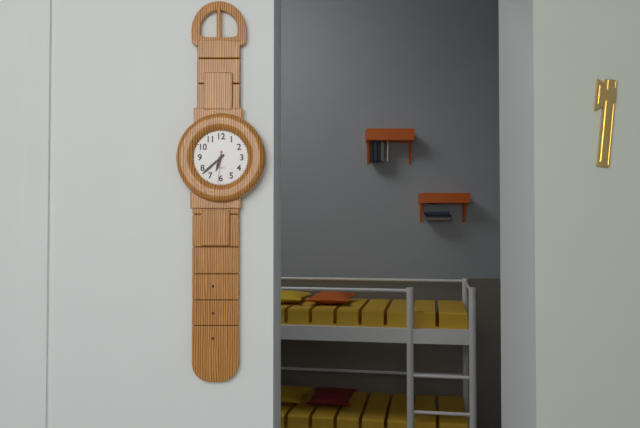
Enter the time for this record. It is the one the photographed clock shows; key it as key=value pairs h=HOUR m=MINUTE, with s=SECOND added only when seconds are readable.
h=6 m=38
